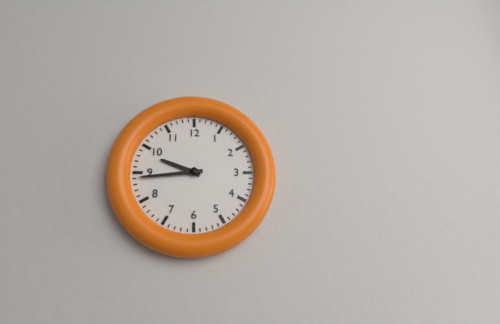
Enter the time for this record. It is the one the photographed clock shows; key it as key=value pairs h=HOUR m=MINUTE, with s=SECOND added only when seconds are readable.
h=9 m=44
